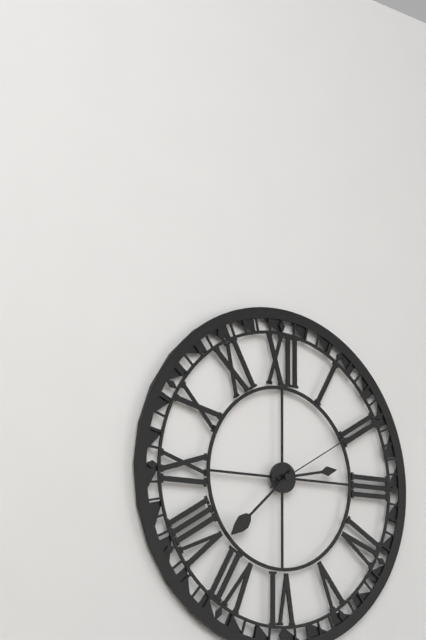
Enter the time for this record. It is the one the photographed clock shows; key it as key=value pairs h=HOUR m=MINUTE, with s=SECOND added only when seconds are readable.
h=2 m=38 s=10
